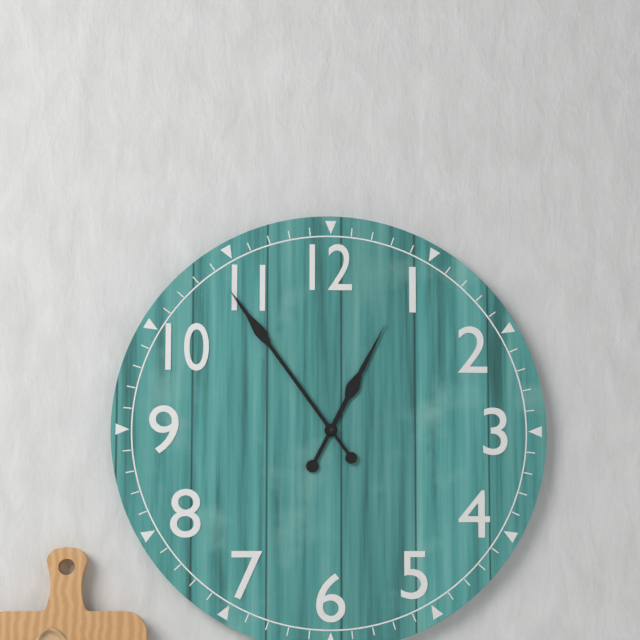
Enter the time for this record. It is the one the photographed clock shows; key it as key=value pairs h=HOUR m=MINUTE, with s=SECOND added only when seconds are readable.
h=12 m=54
